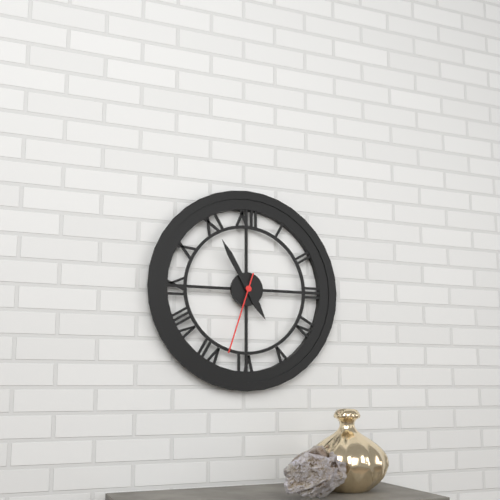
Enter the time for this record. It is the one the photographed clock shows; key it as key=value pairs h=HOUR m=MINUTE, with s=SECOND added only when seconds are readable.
h=4 m=55 s=33
